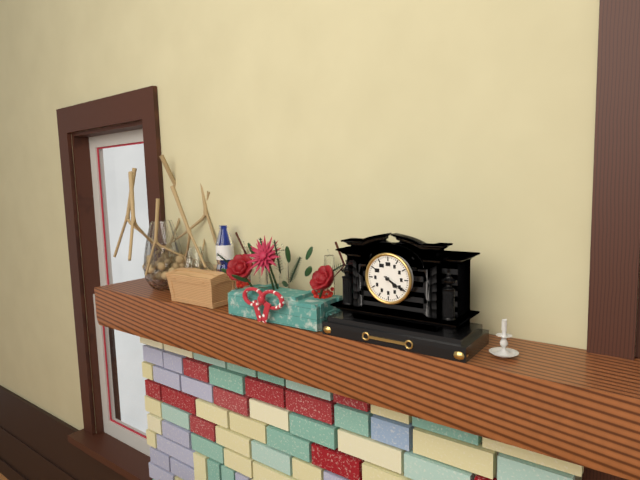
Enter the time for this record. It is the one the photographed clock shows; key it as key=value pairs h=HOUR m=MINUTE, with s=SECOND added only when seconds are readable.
h=4 m=20
